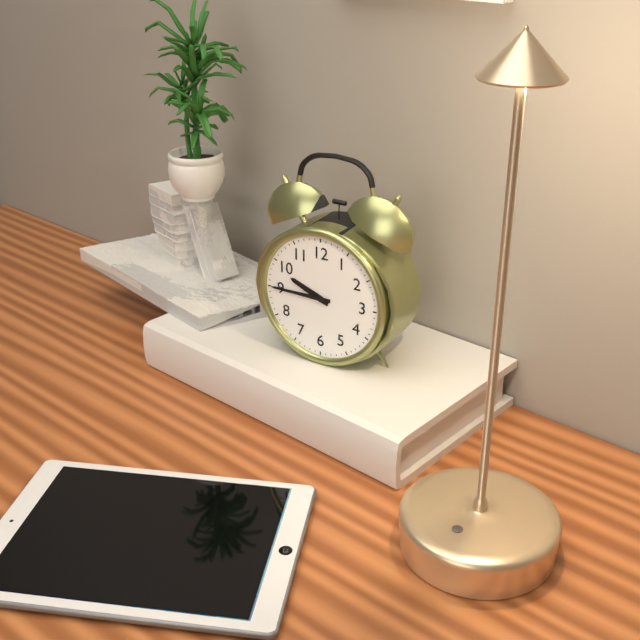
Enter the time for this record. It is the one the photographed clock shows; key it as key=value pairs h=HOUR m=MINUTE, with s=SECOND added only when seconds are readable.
h=9 m=45
